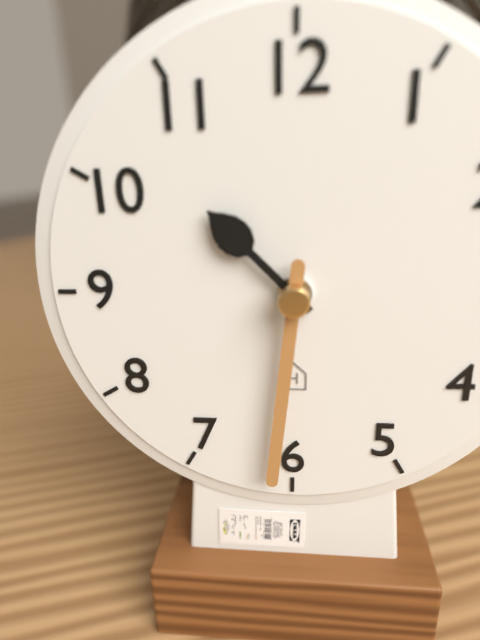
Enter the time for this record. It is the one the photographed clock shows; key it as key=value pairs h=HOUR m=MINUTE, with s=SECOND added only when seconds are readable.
h=10 m=31
